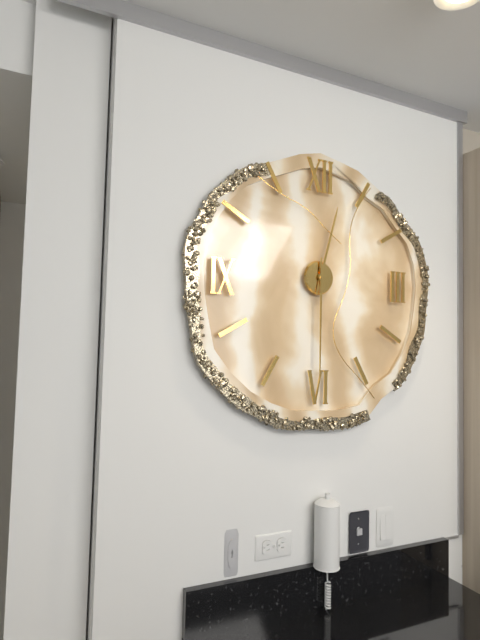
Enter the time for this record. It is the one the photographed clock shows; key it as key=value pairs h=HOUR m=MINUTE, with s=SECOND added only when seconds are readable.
h=12 m=30
